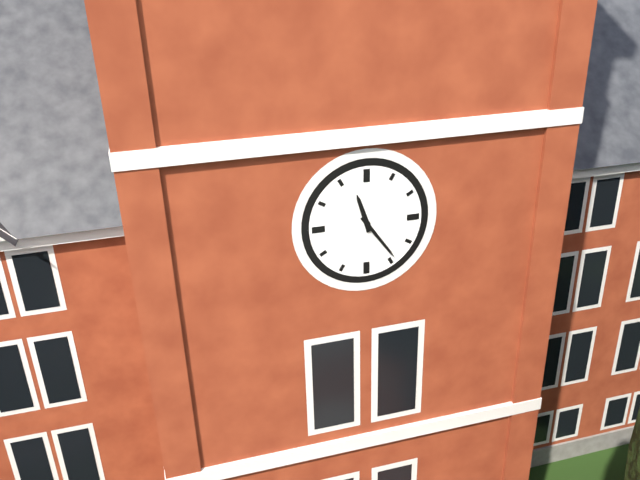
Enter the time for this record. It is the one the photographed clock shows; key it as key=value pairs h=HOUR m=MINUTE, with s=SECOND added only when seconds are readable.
h=11 m=24
